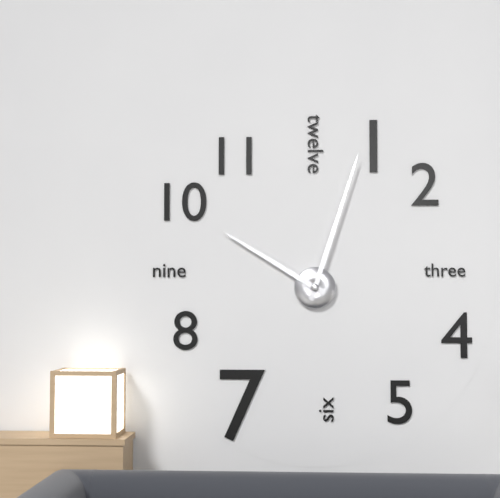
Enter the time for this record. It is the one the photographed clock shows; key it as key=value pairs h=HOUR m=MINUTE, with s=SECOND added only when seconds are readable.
h=10 m=3
